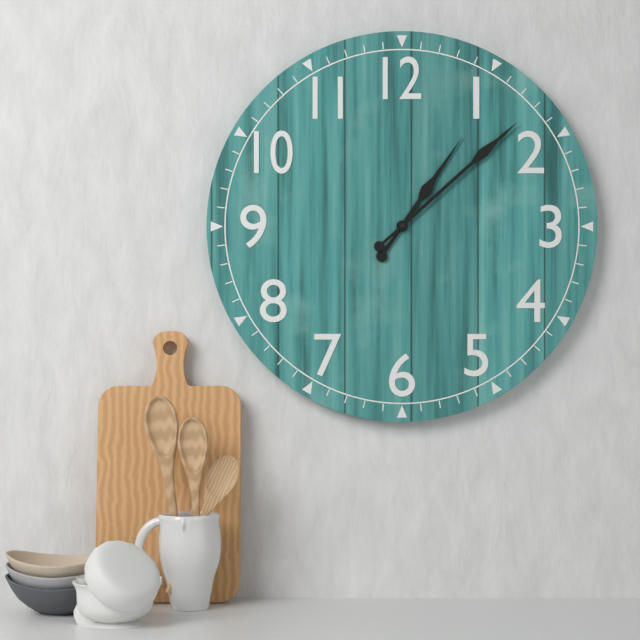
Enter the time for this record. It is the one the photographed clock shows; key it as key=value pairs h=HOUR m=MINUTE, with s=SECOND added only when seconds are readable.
h=1 m=8
